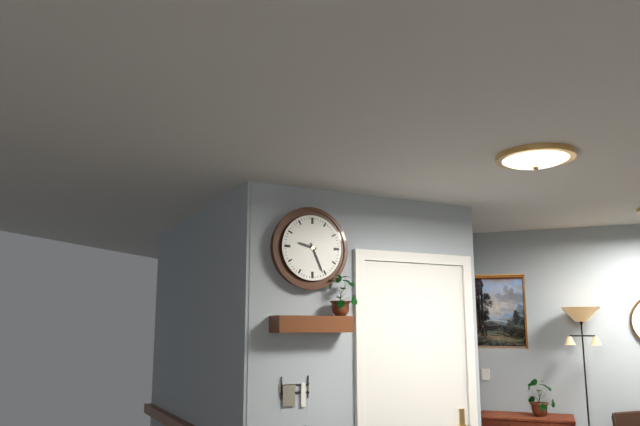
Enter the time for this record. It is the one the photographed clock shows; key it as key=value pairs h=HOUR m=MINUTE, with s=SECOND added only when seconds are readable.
h=9 m=26
